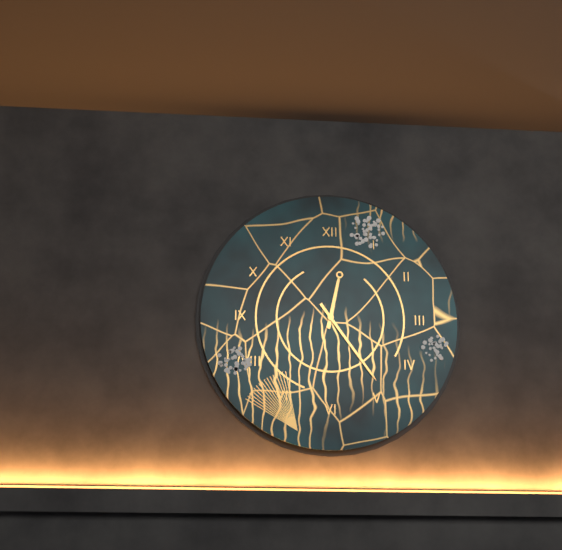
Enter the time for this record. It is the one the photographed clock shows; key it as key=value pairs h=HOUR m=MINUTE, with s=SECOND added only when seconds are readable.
h=12 m=24
